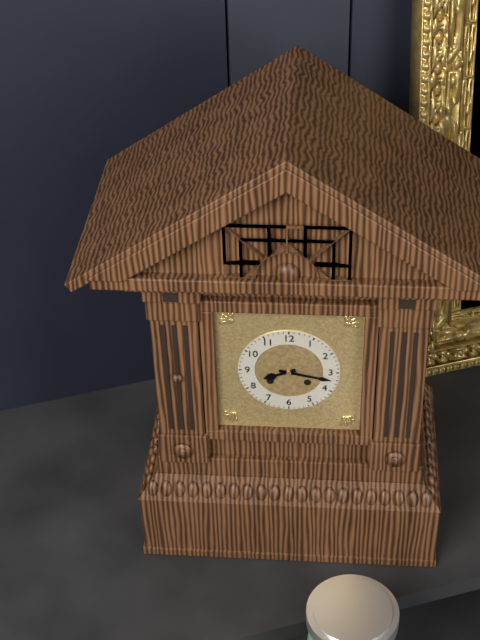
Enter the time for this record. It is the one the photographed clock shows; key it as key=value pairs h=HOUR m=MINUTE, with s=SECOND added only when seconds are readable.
h=8 m=17
